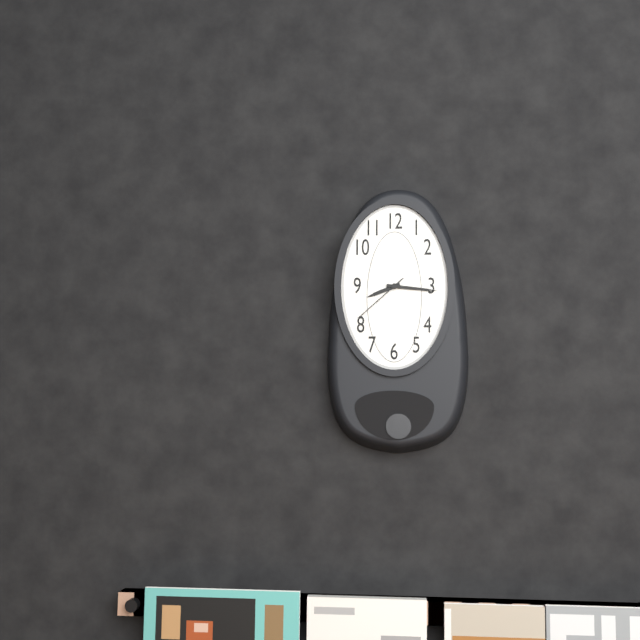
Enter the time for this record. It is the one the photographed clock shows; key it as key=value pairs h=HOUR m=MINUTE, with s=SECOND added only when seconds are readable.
h=8 m=16 s=38
